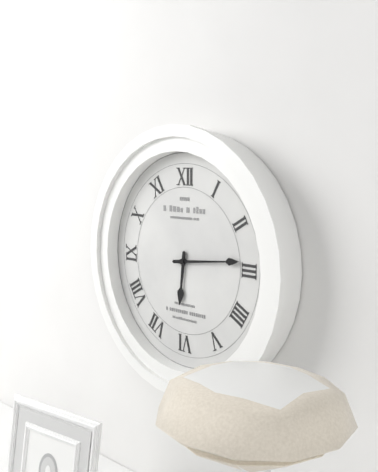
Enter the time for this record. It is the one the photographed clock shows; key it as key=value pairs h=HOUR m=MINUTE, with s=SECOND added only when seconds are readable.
h=6 m=14
